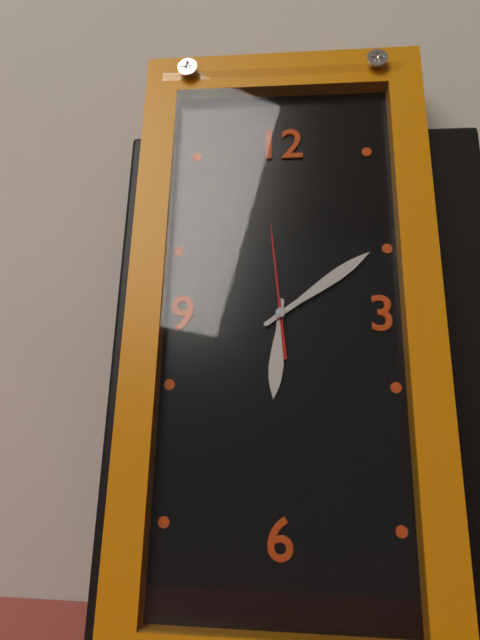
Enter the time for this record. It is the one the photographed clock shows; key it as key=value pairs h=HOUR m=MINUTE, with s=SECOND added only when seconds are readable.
h=6 m=9 s=59
